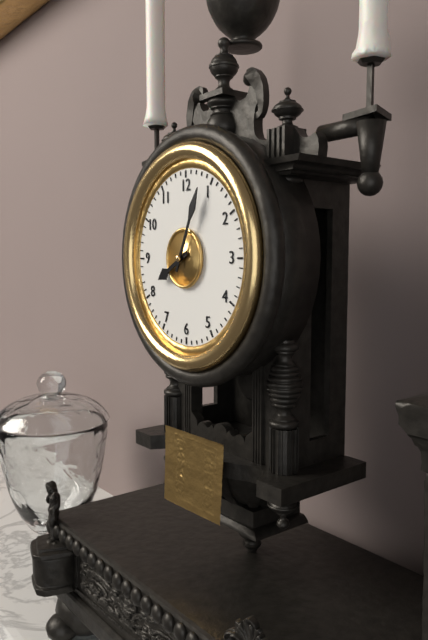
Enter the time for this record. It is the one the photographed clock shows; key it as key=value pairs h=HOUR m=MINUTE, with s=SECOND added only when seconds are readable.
h=8 m=4
